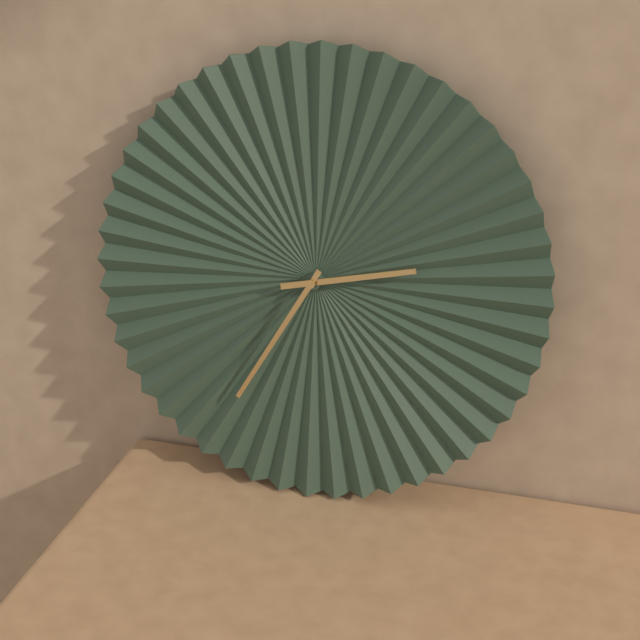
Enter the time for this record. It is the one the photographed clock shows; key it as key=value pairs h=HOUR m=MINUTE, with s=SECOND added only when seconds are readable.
h=2 m=35
